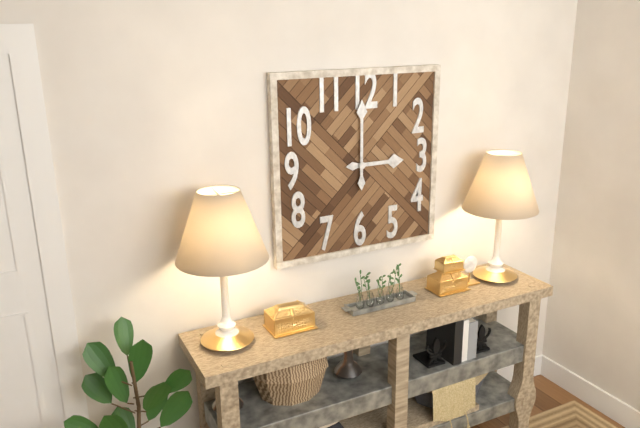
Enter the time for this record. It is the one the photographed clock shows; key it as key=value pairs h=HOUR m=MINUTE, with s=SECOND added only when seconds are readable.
h=3 m=0
